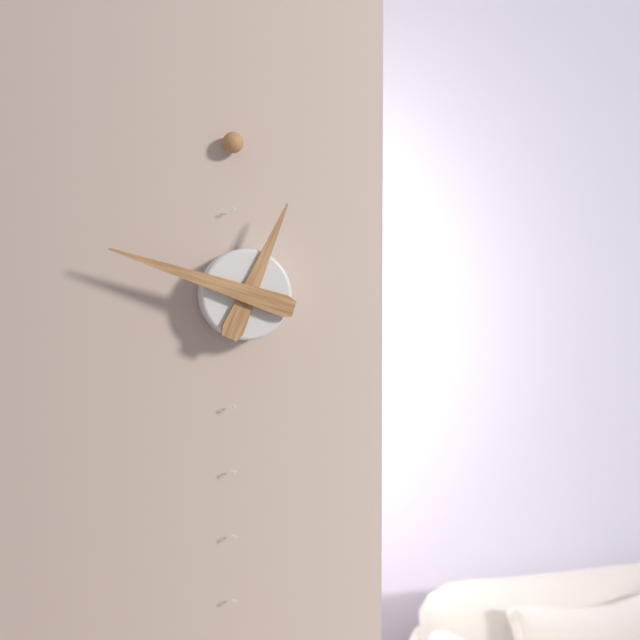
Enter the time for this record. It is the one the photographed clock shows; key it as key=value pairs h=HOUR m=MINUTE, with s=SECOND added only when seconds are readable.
h=12 m=48
